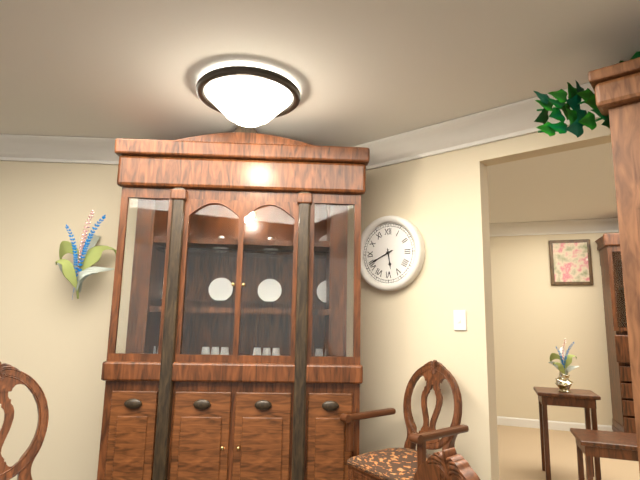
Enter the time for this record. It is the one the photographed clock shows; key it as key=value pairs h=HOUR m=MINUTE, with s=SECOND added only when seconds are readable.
h=5 m=41
